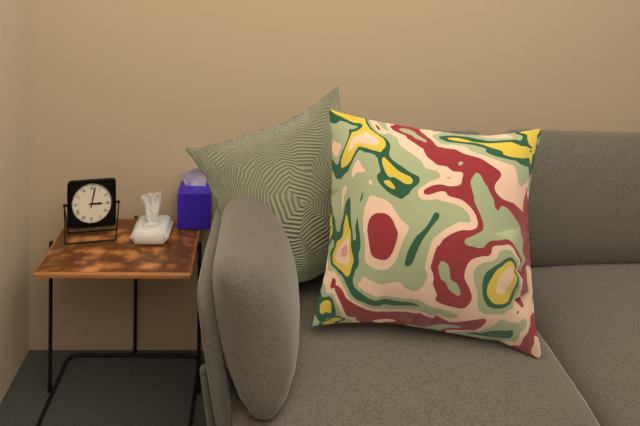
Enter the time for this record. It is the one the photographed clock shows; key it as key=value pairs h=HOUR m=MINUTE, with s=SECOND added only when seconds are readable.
h=3 m=2
